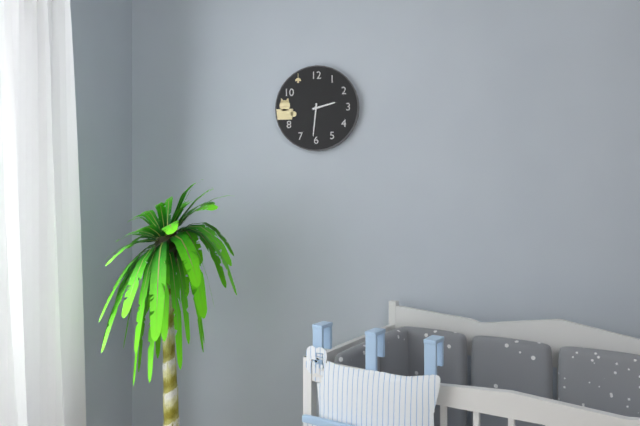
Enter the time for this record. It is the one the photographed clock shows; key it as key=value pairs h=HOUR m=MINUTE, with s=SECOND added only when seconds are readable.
h=2 m=31
